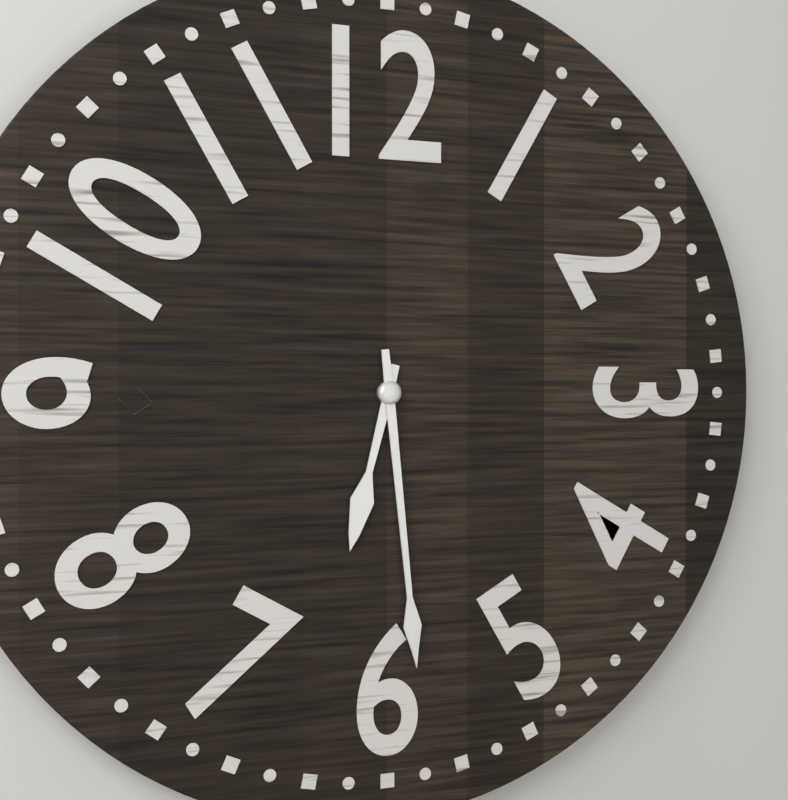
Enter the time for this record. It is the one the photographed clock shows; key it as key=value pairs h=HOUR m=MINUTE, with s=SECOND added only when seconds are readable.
h=6 m=29
